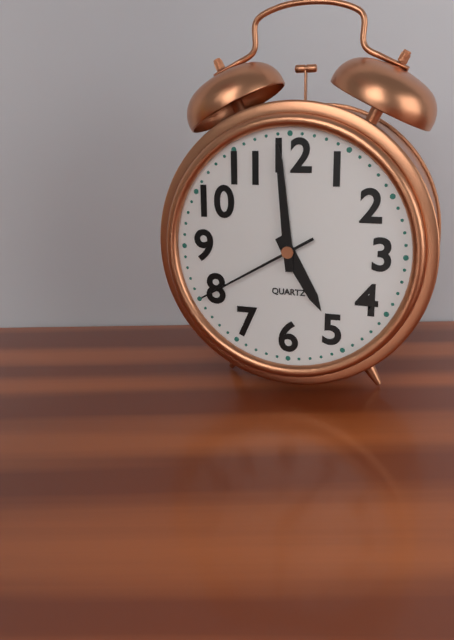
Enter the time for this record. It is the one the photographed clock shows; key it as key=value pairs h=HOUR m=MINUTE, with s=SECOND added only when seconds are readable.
h=4 m=59 s=40
